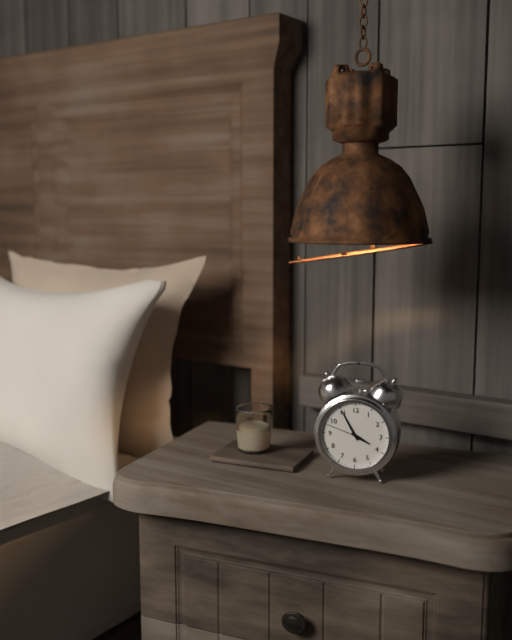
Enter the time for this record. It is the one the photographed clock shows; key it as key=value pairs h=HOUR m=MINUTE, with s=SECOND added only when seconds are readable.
h=3 m=55
